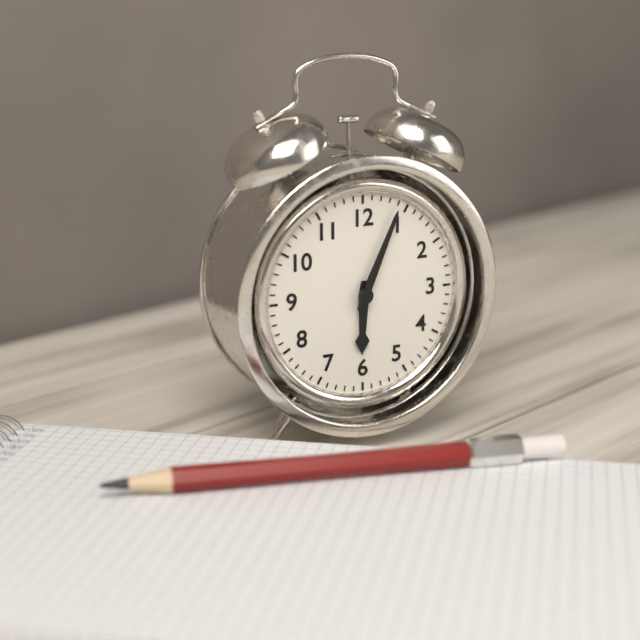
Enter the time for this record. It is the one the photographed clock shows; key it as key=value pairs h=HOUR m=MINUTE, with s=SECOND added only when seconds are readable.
h=6 m=4
